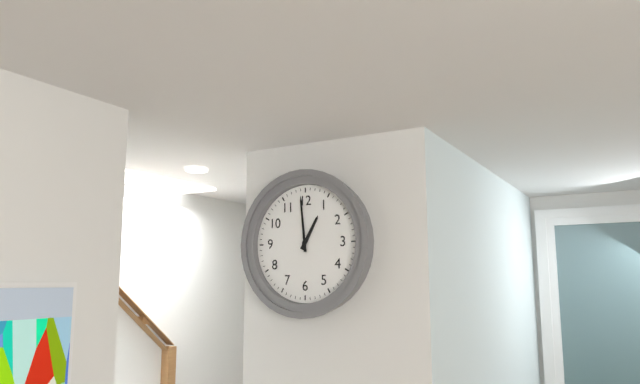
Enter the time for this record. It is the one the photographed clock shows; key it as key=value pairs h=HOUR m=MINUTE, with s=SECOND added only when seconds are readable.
h=12 m=59
